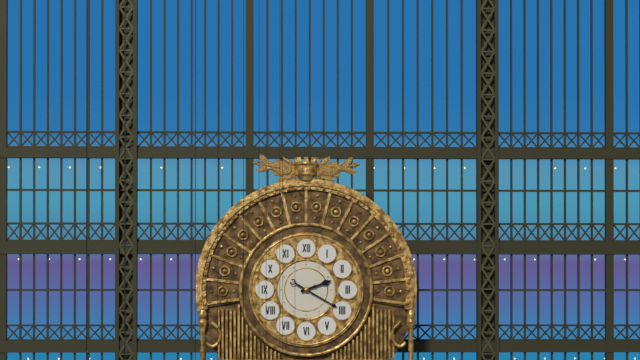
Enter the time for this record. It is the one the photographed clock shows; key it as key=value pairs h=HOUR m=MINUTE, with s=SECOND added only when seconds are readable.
h=2 m=20
